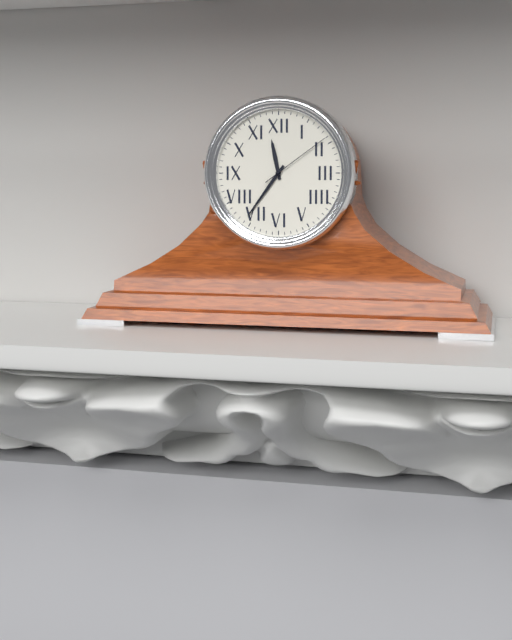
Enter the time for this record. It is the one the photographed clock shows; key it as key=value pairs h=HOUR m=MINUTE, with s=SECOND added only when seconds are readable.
h=11 m=36 s=9
